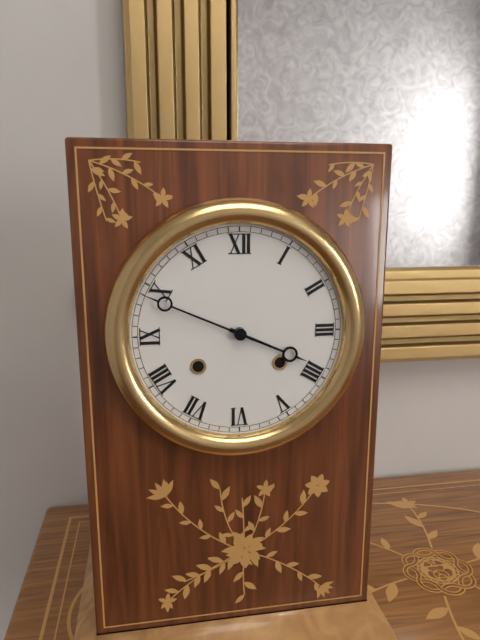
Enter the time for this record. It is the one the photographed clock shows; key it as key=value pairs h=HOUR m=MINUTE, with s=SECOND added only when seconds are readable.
h=3 m=49
